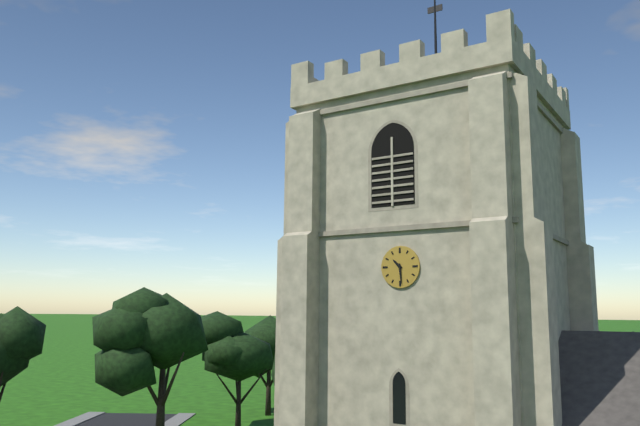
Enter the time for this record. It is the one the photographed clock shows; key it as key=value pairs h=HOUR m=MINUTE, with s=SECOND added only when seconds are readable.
h=10 m=29
